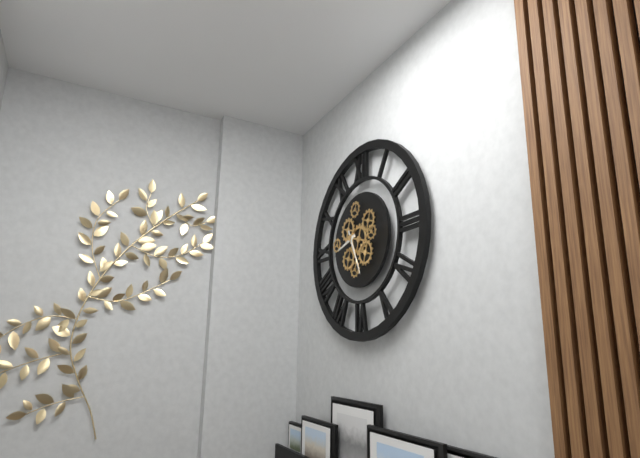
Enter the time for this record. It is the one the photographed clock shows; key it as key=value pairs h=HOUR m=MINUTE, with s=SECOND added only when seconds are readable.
h=8 m=26
